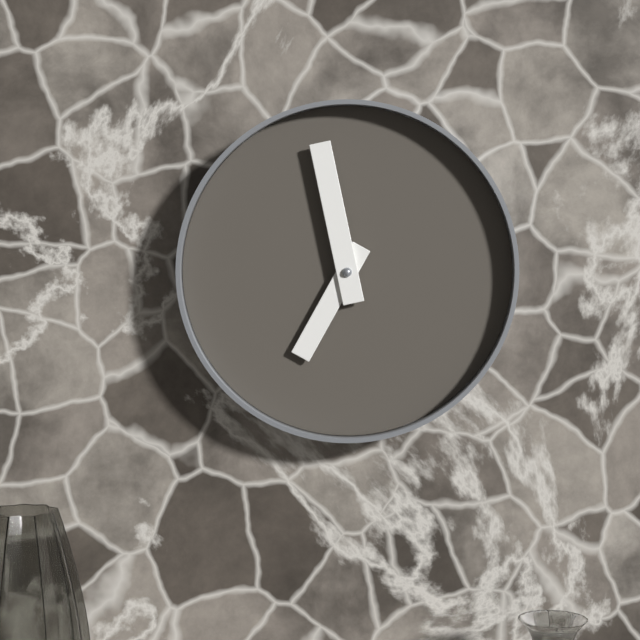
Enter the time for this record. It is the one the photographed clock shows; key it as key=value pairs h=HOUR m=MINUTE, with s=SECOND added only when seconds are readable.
h=6 m=58
